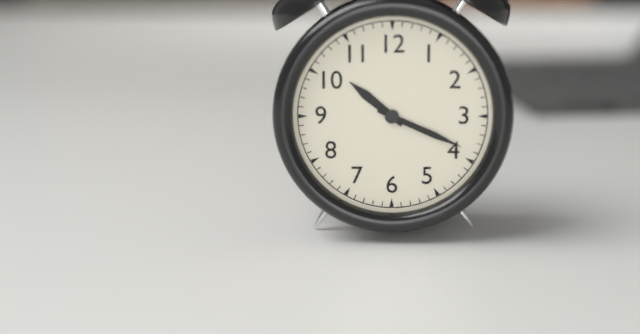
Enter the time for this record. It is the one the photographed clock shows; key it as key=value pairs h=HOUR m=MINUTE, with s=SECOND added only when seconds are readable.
h=10 m=19
